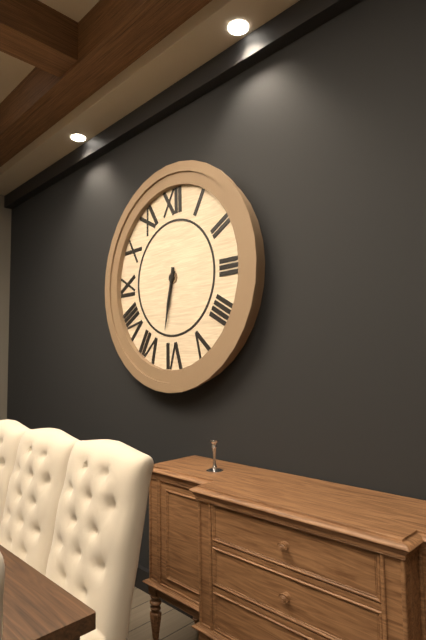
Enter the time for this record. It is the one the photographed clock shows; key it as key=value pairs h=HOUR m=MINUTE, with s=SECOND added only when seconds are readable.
h=6 m=32
